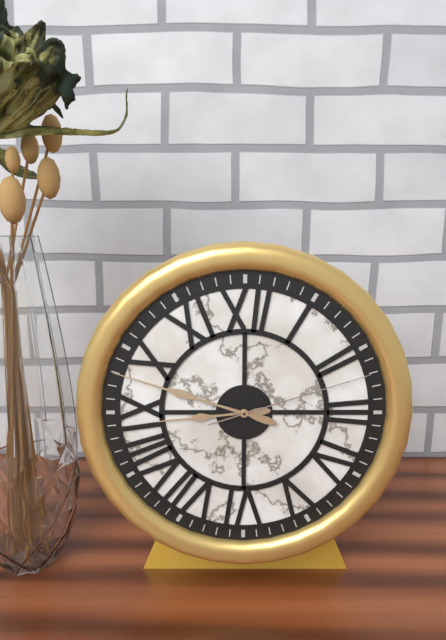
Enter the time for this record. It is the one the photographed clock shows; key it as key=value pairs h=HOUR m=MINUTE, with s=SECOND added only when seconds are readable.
h=8 m=48 s=12
